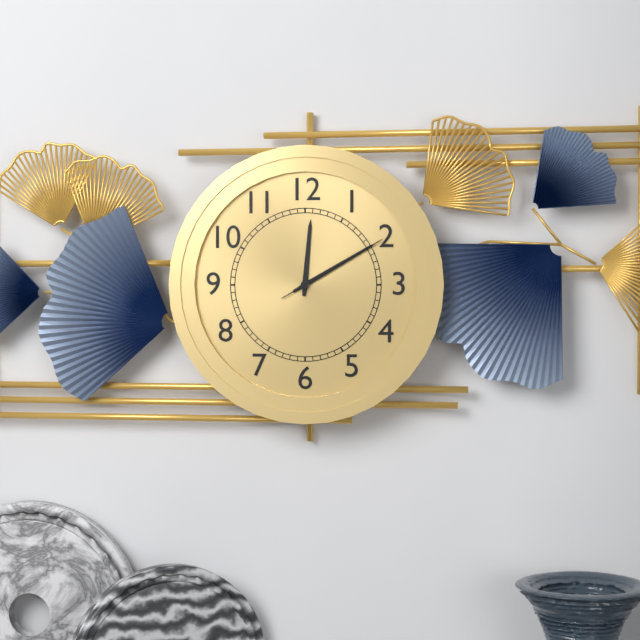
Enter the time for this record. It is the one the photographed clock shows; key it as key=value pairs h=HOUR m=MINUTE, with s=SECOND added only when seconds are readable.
h=12 m=10 s=10
